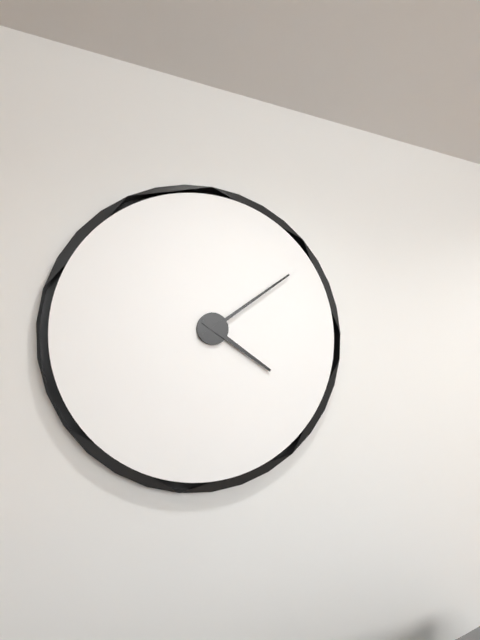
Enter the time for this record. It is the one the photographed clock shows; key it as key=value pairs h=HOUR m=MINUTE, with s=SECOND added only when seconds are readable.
h=4 m=9
